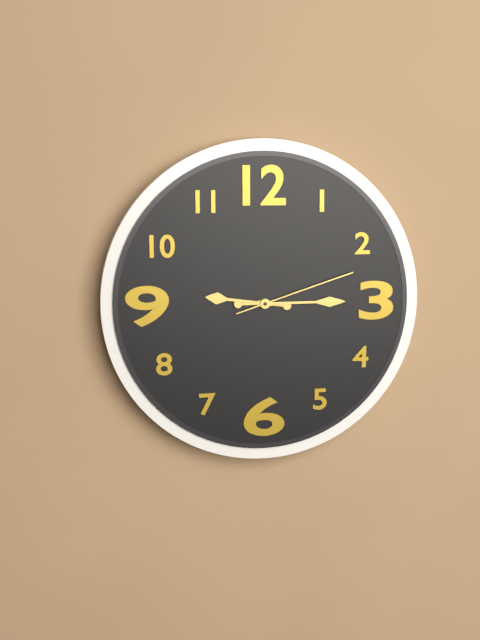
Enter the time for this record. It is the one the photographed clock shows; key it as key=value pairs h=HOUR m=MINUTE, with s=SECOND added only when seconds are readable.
h=9 m=15 s=12
